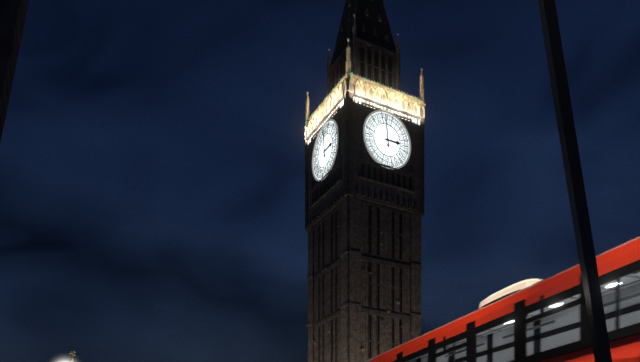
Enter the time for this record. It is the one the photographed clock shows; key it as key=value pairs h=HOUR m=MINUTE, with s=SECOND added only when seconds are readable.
h=2 m=59
